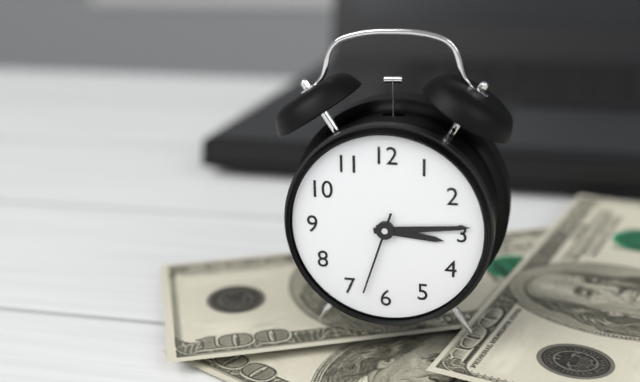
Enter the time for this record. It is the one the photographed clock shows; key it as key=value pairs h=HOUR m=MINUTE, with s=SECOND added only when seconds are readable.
h=3 m=14 s=33
